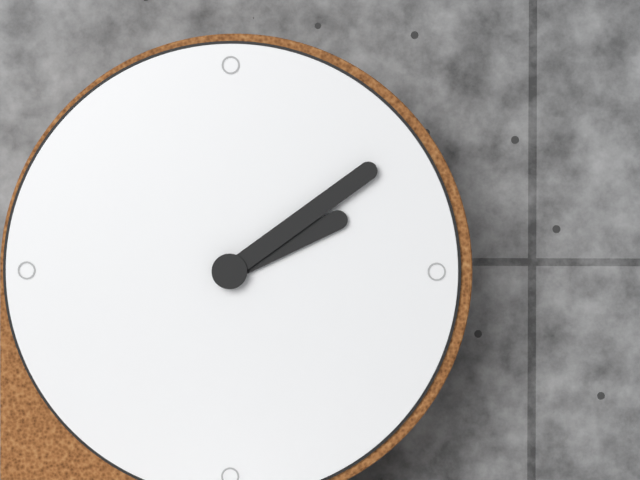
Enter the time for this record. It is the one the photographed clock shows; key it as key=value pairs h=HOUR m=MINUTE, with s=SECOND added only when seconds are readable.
h=2 m=9
